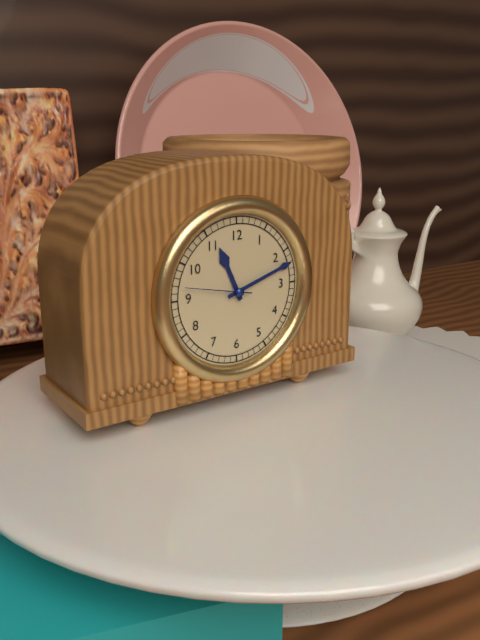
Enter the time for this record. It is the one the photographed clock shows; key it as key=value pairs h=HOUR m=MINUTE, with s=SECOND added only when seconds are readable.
h=11 m=12 s=47
